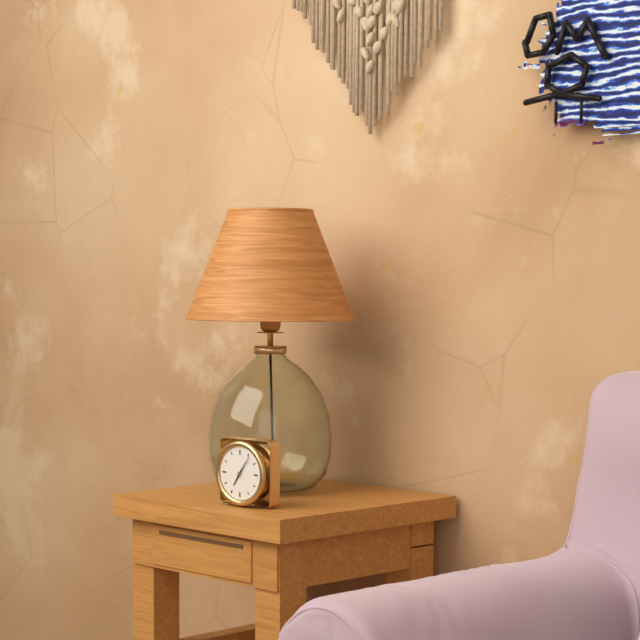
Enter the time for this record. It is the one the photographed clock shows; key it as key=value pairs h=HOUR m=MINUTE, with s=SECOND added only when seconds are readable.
h=7 m=6
